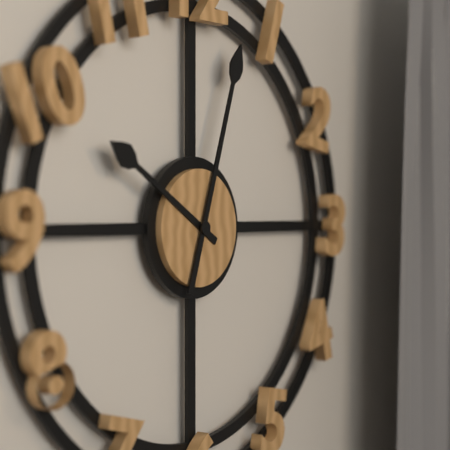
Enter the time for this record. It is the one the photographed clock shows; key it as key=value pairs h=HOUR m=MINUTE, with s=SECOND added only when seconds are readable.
h=10 m=3
